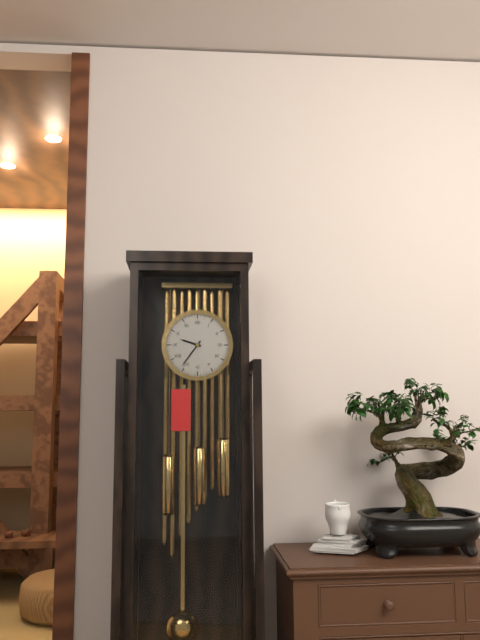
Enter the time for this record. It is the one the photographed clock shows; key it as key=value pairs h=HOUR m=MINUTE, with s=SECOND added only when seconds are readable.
h=9 m=36
